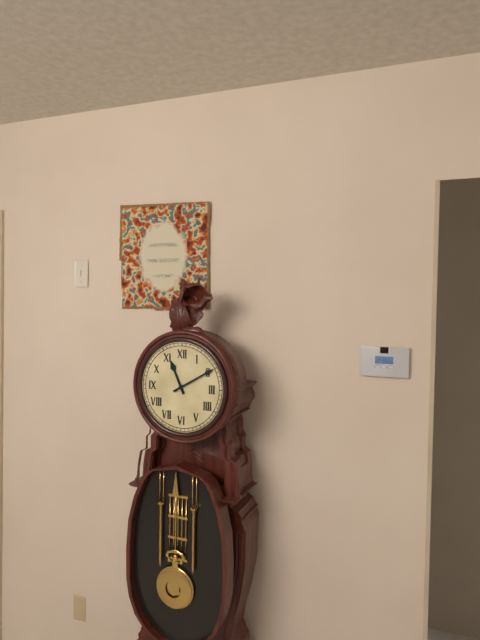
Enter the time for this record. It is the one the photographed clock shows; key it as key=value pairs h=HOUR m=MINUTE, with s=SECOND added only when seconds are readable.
h=11 m=10
